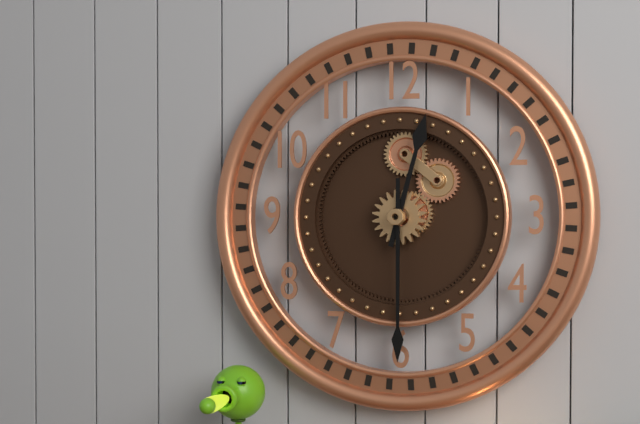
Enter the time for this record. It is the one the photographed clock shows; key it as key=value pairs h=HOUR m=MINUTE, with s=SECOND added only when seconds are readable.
h=12 m=30
